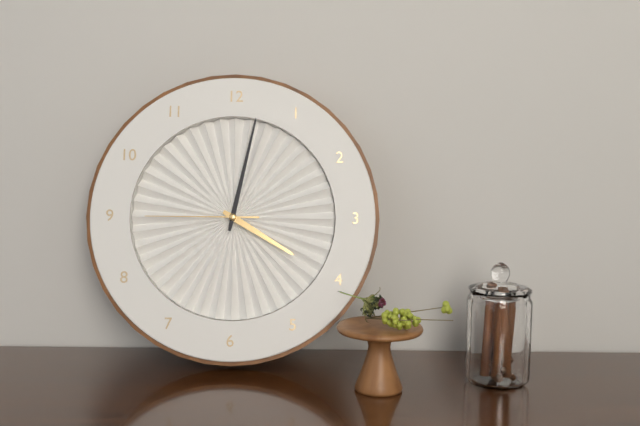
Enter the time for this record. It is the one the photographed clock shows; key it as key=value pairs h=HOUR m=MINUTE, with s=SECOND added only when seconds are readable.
h=4 m=2 s=45
